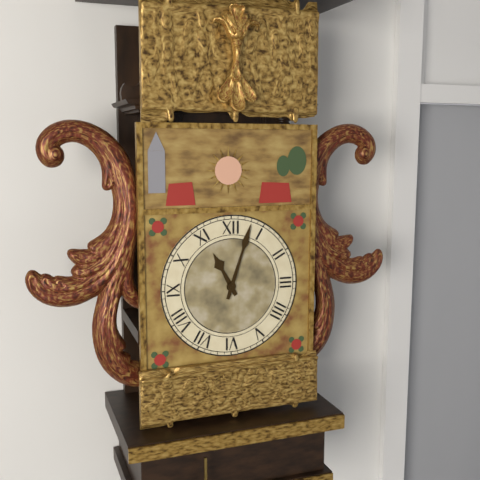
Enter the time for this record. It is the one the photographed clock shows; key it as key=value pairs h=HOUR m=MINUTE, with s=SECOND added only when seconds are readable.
h=11 m=3
